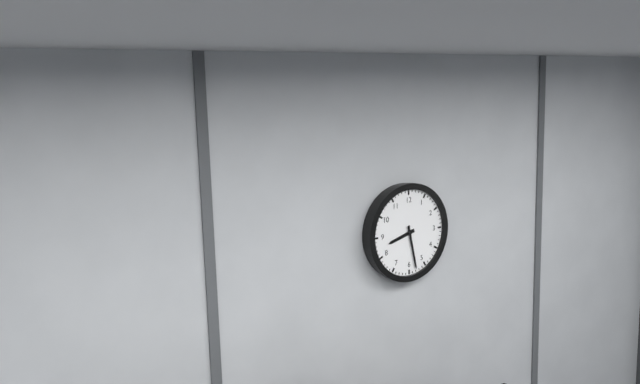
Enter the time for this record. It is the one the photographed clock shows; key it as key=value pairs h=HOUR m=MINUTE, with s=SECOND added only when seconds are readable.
h=8 m=28
